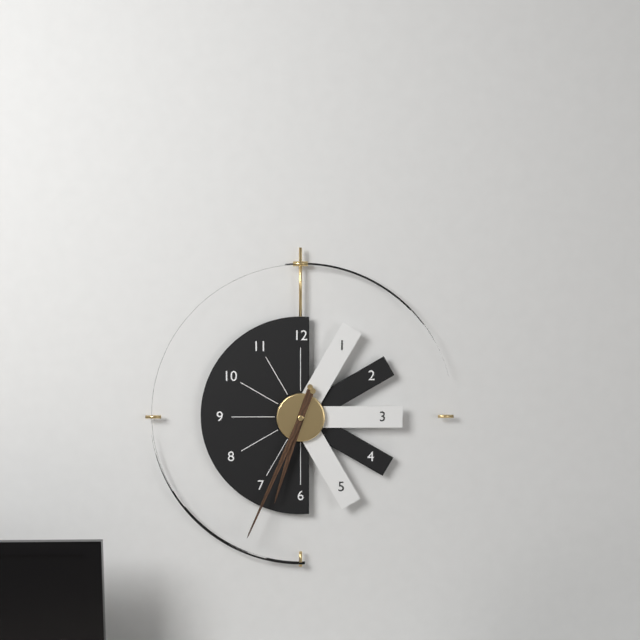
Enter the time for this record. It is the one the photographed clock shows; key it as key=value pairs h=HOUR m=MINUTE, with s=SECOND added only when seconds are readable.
h=6 m=34
